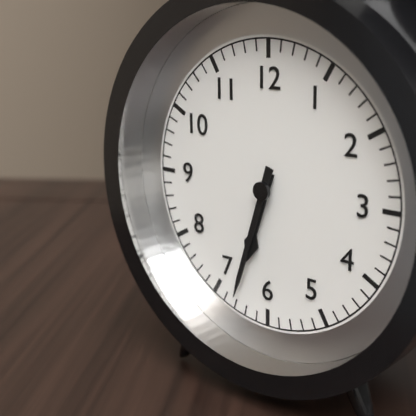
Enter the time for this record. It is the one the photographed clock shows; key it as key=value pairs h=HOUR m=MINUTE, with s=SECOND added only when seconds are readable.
h=6 m=33
